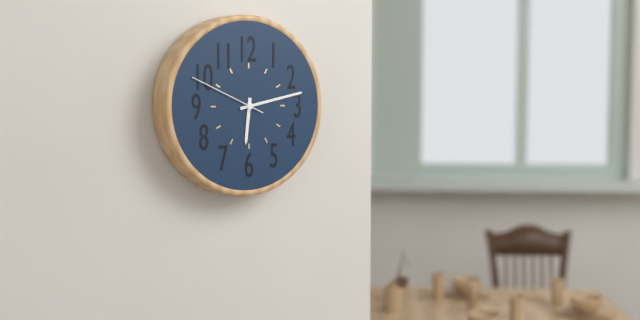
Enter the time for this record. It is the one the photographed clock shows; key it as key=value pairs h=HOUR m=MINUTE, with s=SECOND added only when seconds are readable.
h=6 m=13 s=49
